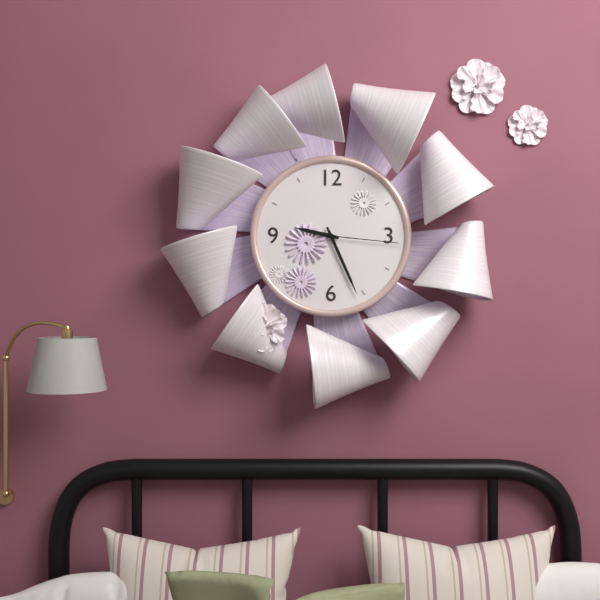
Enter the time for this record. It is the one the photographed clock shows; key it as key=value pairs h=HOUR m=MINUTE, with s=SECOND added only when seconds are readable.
h=9 m=26 s=16
